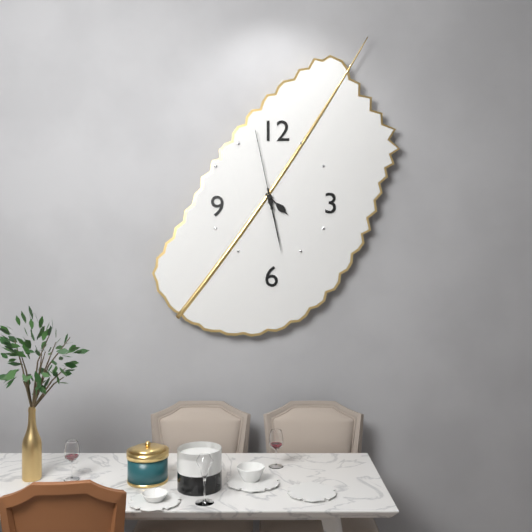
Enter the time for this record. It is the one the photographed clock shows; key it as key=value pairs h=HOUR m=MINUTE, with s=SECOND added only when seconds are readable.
h=4 m=28 s=58
